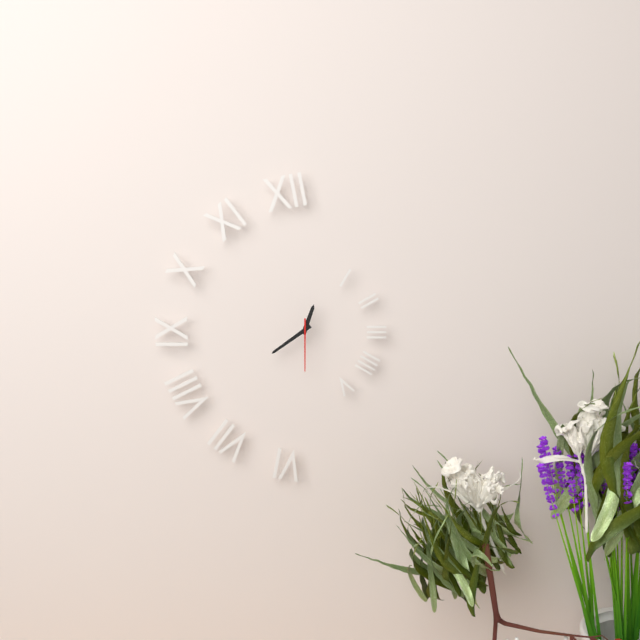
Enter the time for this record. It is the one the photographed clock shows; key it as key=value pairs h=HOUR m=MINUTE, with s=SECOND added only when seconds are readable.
h=12 m=39 s=30
